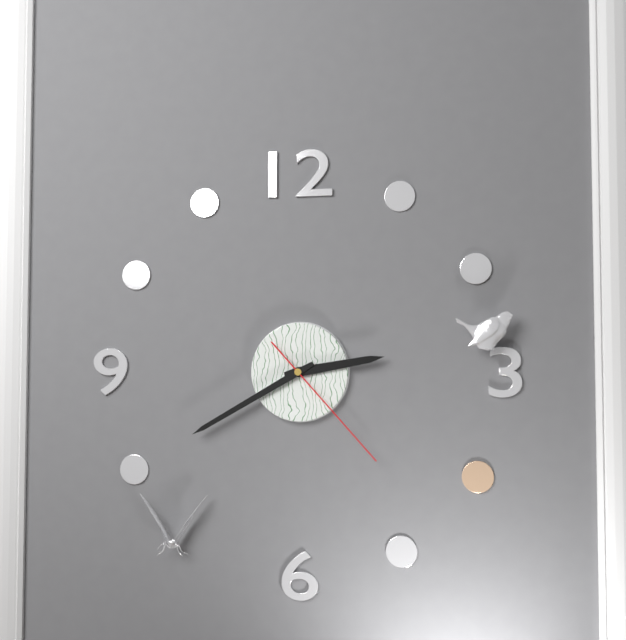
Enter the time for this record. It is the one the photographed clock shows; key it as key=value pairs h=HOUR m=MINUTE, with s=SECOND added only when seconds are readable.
h=2 m=40 s=23
